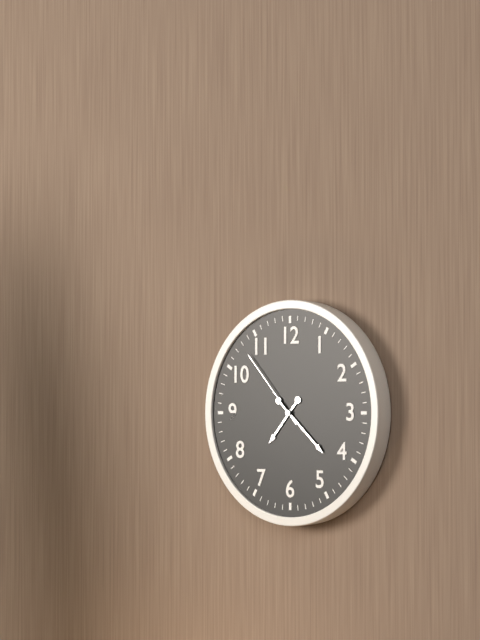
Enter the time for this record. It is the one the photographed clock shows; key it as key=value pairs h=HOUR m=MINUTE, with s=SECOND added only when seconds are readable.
h=7 m=22 s=53
